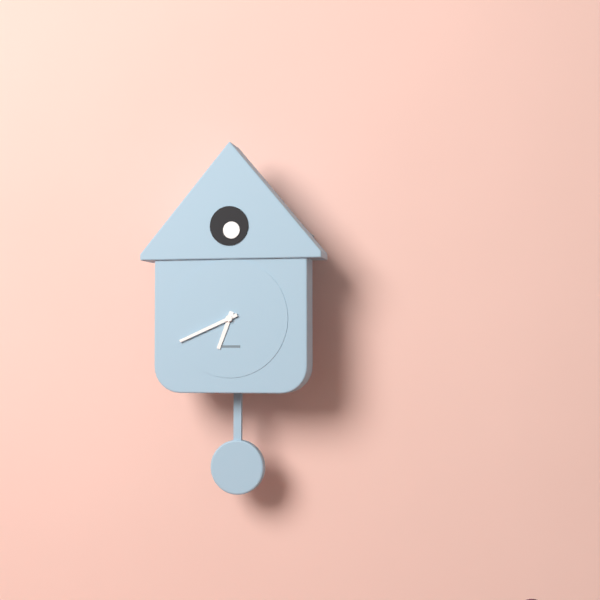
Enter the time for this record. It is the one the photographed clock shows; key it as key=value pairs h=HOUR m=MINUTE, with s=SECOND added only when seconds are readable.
h=6 m=41
